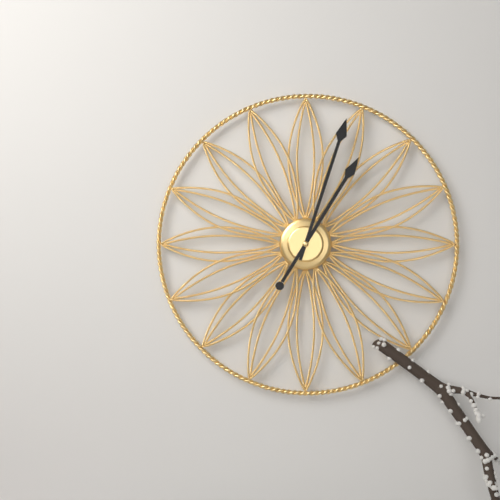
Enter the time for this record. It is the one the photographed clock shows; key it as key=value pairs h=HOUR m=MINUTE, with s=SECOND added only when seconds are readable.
h=1 m=3
